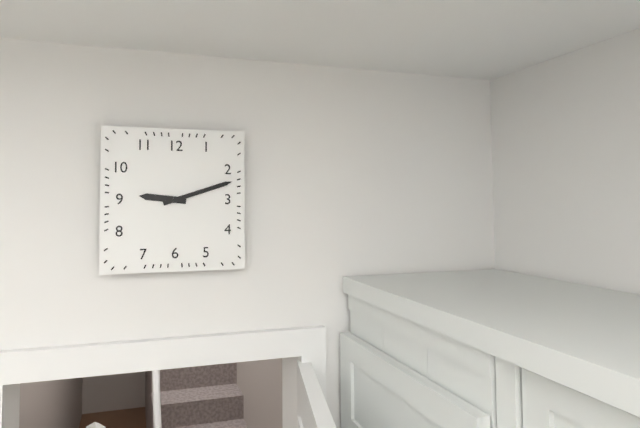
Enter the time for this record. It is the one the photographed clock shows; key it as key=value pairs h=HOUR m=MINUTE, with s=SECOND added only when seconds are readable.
h=9 m=12
